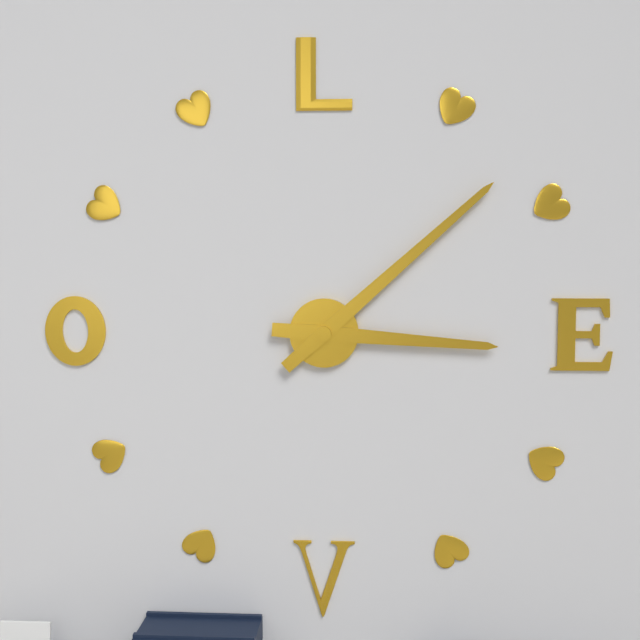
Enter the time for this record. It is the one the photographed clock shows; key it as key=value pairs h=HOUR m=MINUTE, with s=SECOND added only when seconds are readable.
h=3 m=8
